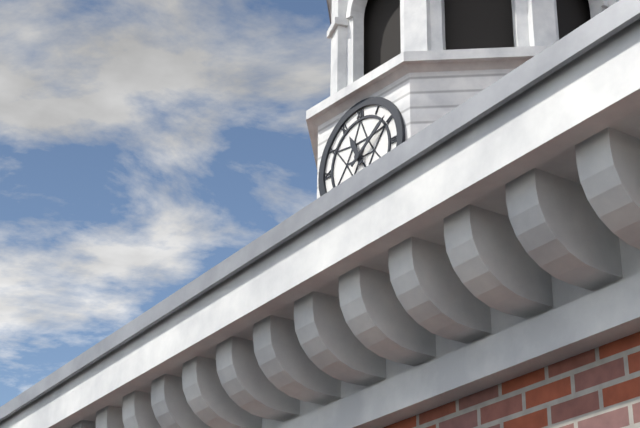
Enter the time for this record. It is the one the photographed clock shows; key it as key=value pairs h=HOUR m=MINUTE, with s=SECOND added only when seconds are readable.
h=11 m=9
